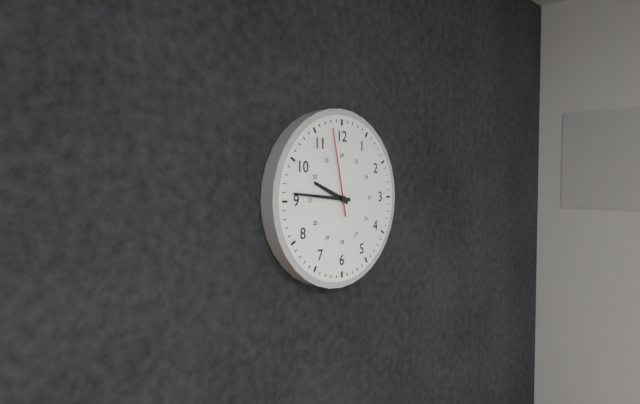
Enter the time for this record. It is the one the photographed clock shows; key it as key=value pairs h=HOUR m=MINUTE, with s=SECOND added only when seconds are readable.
h=9 m=46 s=58
